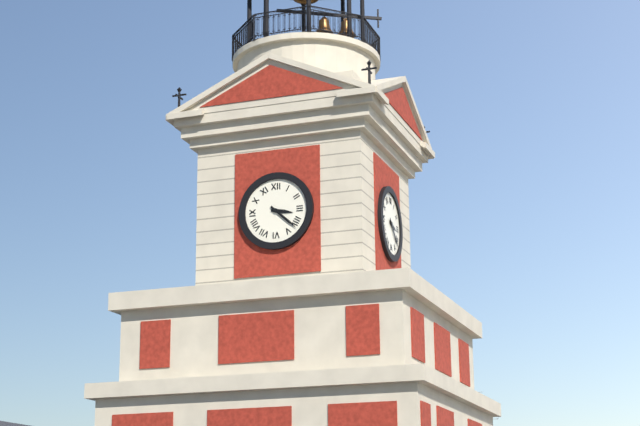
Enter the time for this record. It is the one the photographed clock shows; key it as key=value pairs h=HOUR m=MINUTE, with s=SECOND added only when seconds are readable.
h=3 m=22
